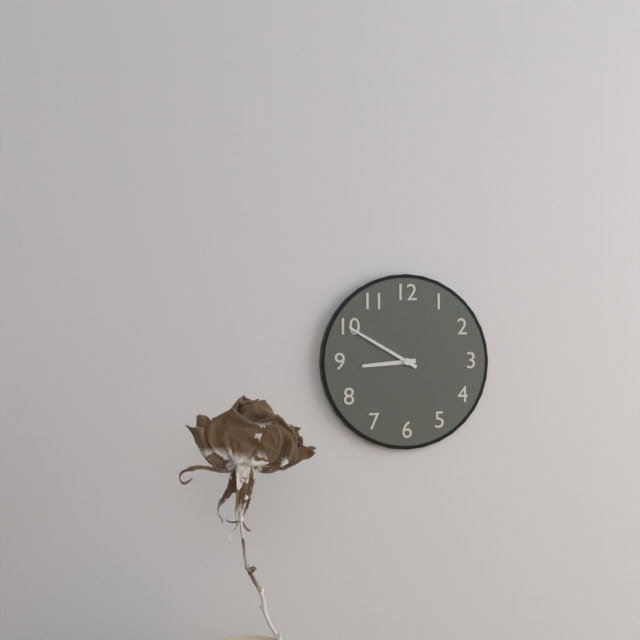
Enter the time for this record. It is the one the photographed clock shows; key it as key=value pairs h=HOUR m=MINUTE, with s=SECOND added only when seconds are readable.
h=8 m=50
